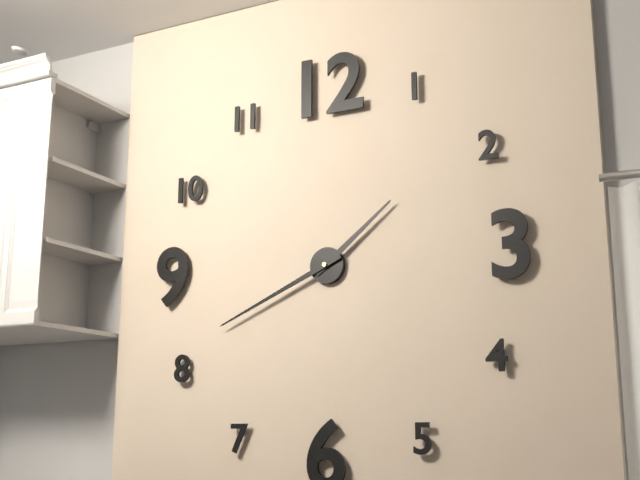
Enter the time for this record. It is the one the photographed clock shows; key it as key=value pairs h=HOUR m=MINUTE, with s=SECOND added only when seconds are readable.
h=1 m=41
